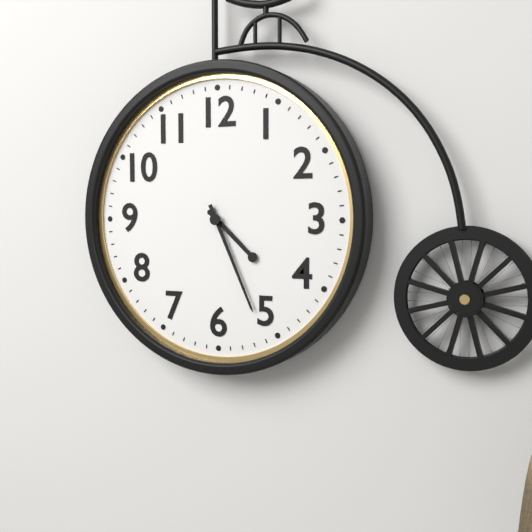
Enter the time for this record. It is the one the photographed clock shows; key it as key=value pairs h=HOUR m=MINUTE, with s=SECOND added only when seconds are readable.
h=4 m=26
